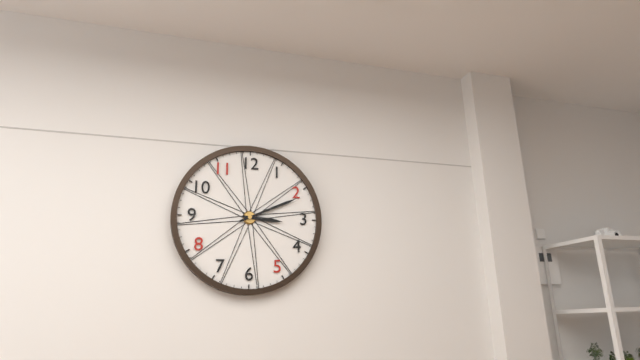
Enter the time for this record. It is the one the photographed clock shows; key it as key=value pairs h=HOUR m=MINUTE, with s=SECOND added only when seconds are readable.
h=3 m=11
